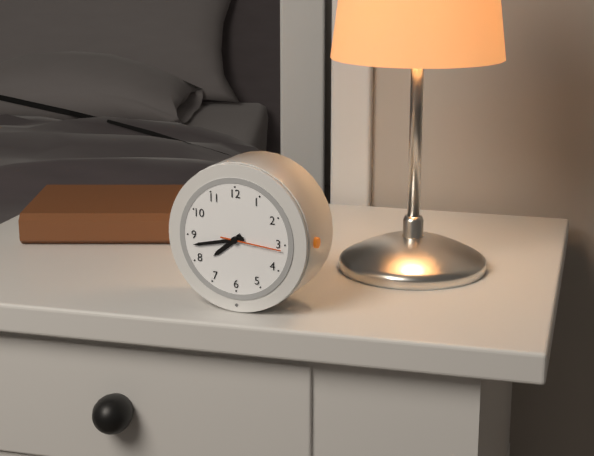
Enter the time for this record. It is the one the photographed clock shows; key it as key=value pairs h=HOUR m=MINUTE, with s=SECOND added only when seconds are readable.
h=7 m=43 s=16
